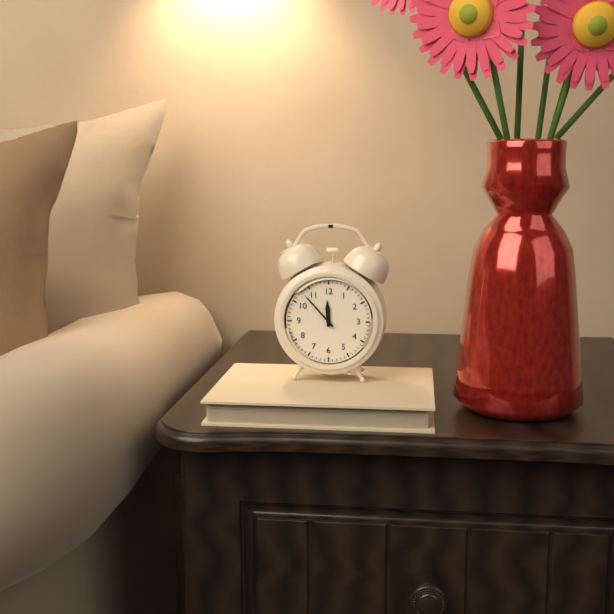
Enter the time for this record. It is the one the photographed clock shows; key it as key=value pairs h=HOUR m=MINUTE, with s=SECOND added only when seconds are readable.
h=11 m=53
